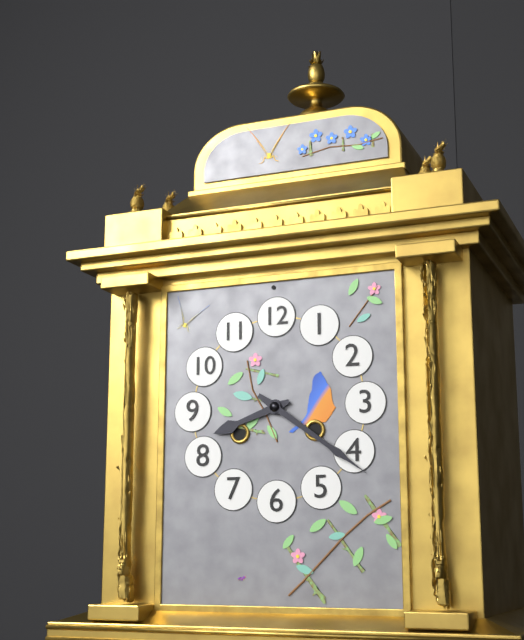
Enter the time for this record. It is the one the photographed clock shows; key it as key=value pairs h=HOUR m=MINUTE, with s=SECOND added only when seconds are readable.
h=8 m=21
